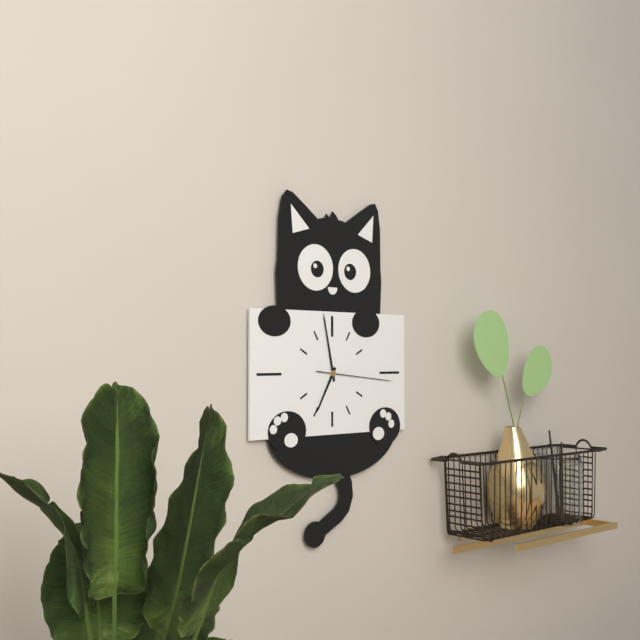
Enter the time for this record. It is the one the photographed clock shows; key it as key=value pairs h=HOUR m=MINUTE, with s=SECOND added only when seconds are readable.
h=6 m=58 s=16
